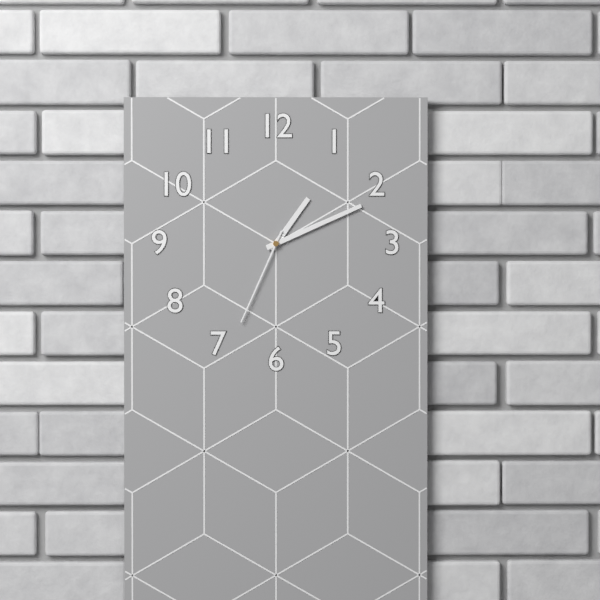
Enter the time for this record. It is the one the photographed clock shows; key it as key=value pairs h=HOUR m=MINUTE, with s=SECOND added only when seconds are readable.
h=1 m=11 s=34
